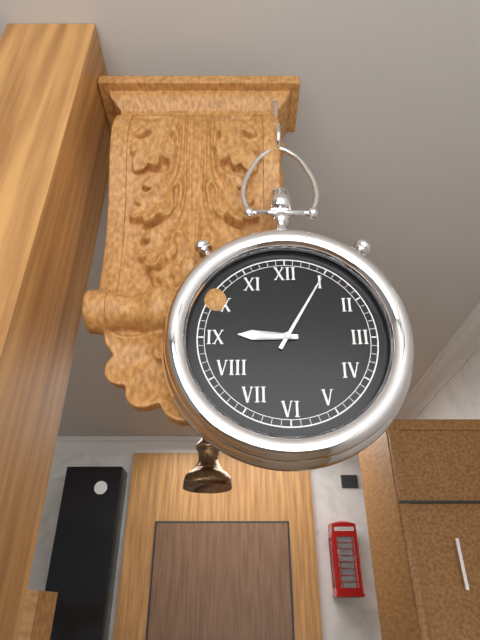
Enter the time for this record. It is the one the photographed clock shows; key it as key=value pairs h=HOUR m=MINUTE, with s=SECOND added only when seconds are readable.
h=9 m=5
